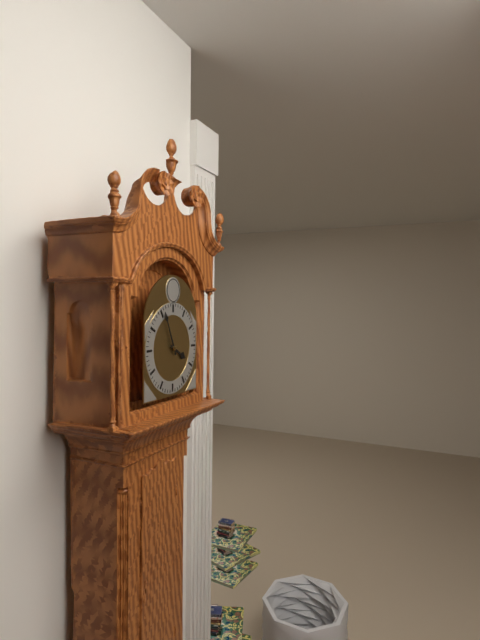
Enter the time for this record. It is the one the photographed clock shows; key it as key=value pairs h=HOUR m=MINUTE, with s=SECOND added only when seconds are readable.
h=3 m=56
